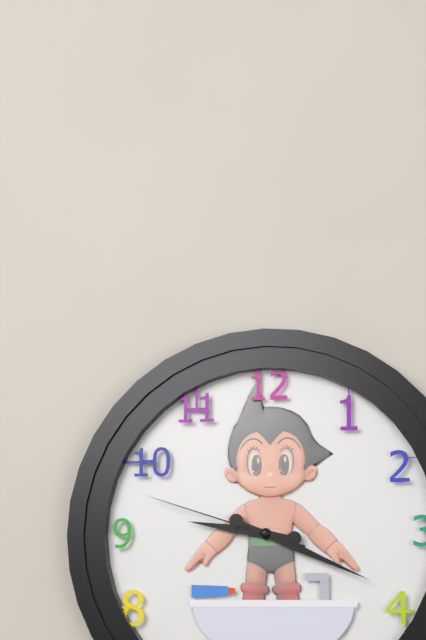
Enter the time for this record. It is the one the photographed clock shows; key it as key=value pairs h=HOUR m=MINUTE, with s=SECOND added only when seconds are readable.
h=9 m=19 s=48
